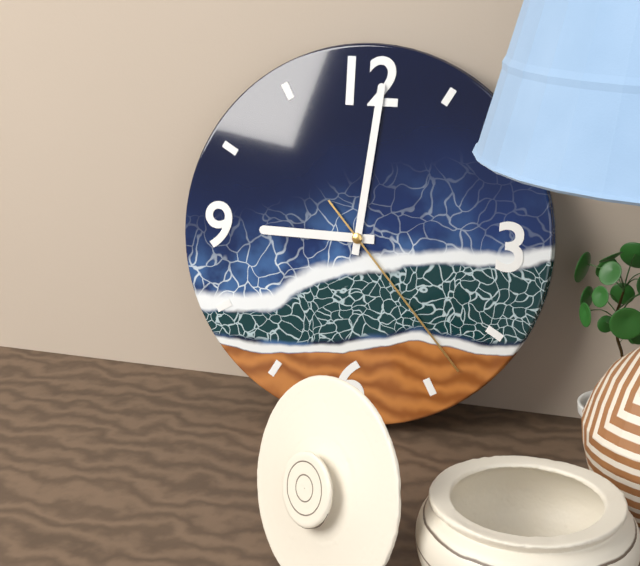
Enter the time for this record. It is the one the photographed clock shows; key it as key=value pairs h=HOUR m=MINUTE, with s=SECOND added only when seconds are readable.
h=9 m=1 s=23
